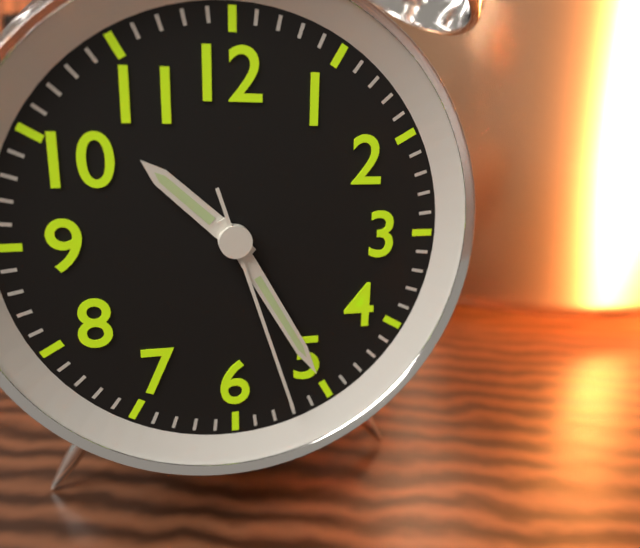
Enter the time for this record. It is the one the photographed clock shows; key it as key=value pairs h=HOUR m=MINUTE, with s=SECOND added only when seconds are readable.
h=10 m=25 s=27
